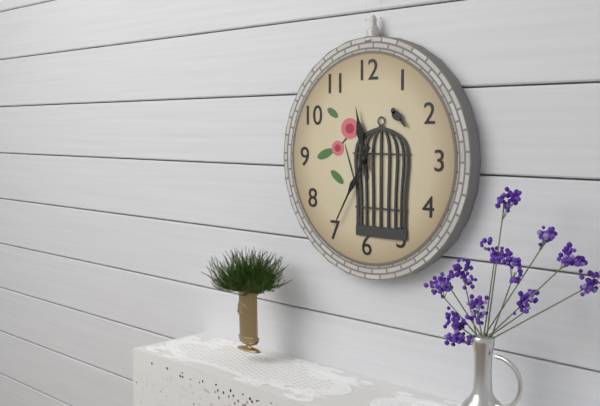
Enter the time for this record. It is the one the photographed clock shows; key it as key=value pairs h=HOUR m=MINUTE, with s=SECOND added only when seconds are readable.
h=11 m=35
